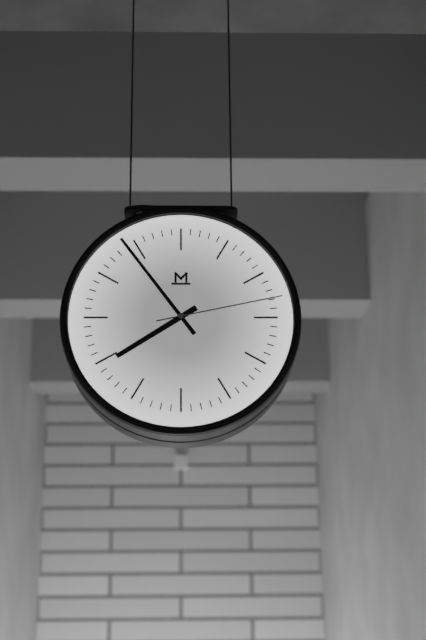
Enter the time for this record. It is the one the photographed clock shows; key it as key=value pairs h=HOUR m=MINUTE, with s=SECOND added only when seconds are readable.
h=7 m=54 s=13
